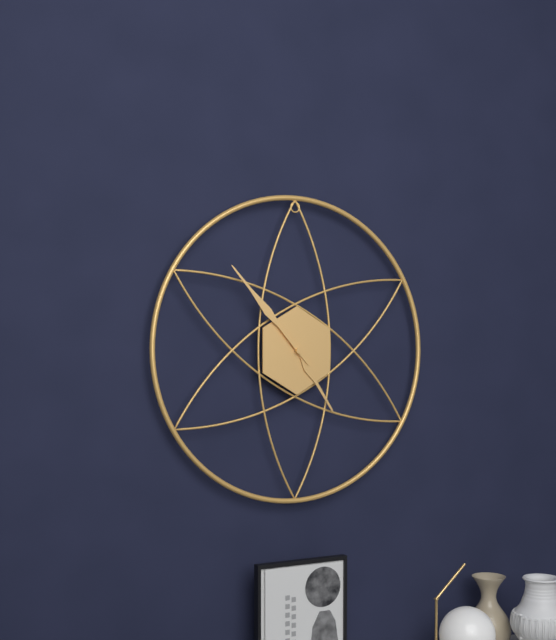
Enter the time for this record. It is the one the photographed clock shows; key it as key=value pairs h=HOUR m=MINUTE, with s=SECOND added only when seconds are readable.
h=4 m=53
